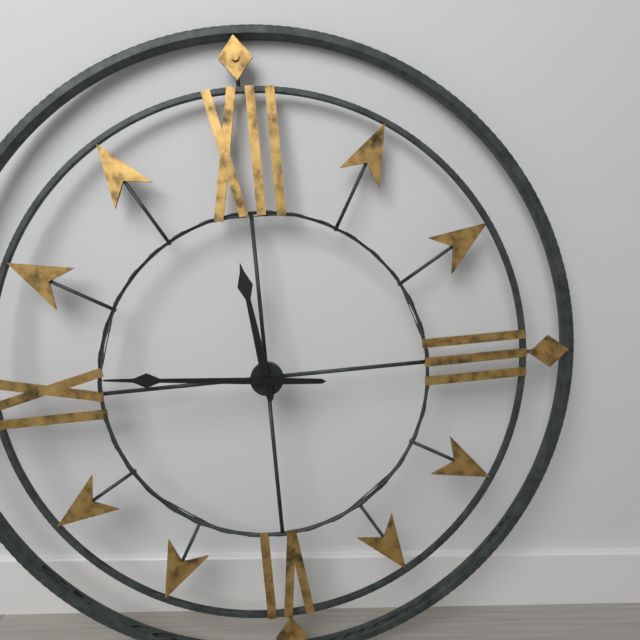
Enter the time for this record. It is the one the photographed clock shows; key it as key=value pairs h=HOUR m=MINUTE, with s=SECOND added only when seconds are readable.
h=11 m=46
